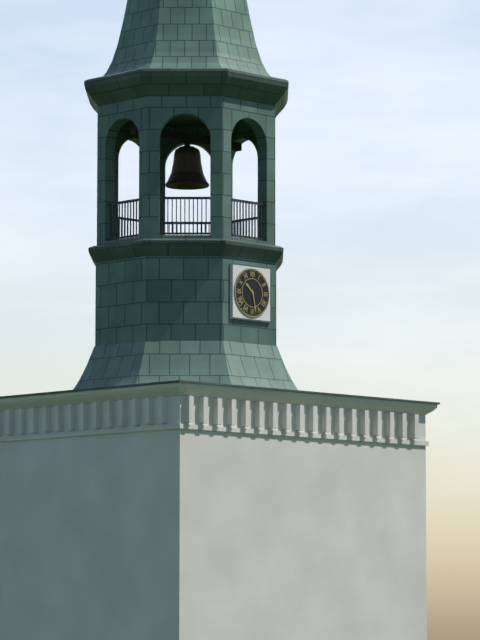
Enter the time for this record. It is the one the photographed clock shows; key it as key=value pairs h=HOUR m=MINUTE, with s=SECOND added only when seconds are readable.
h=10 m=28
